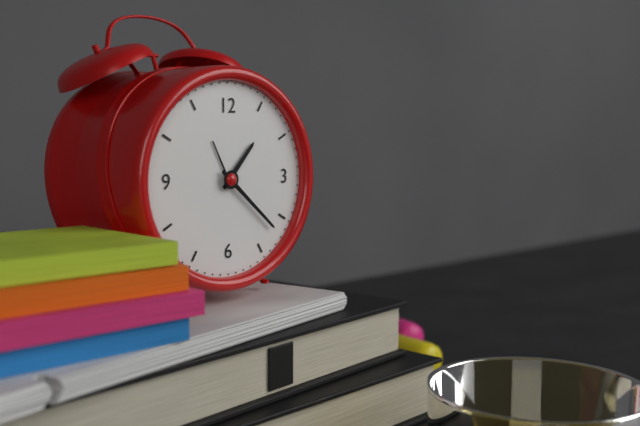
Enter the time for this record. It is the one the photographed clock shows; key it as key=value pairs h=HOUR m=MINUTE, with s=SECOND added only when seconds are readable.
h=1 m=22
